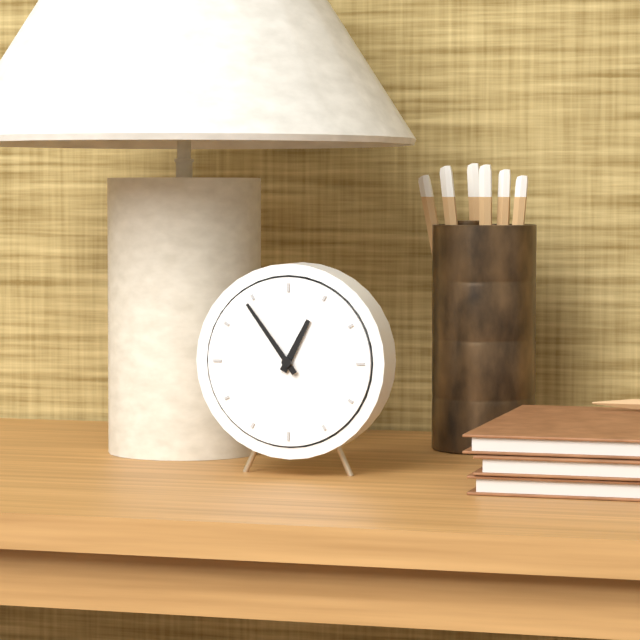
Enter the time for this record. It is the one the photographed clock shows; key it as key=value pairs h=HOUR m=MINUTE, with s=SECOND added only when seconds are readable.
h=12 m=54
